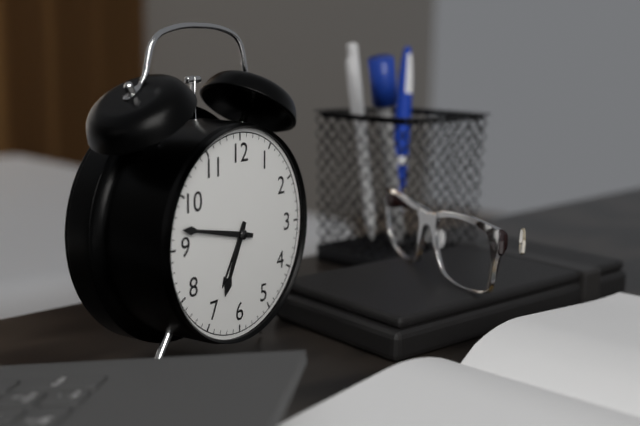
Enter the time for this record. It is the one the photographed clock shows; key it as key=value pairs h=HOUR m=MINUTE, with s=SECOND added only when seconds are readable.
h=6 m=47
